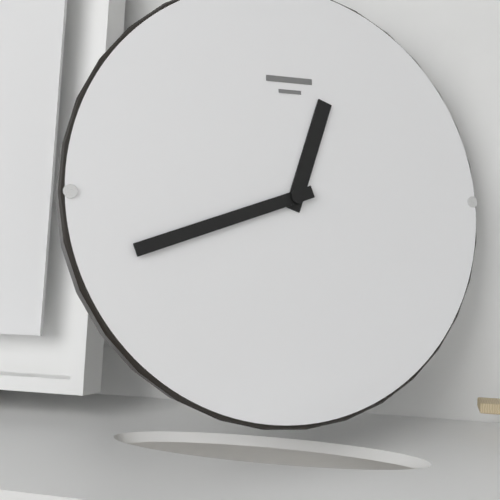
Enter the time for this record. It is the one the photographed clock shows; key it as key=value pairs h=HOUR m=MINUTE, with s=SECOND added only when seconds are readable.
h=12 m=42
